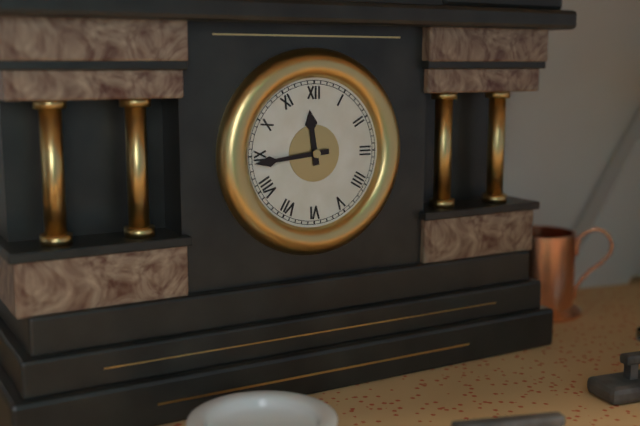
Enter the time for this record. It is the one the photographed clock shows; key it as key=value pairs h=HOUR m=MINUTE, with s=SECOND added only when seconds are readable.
h=11 m=44
